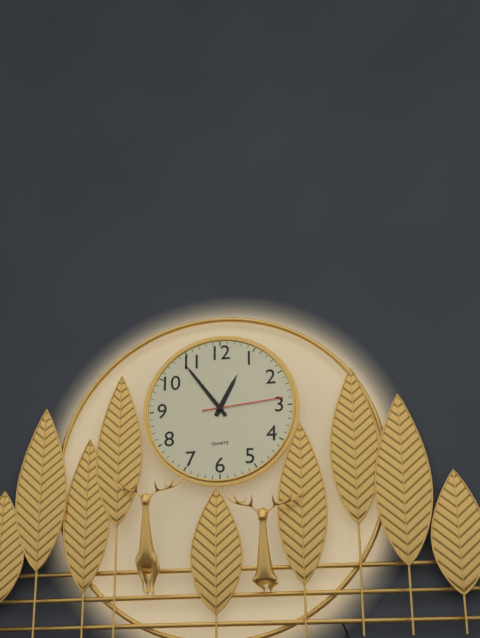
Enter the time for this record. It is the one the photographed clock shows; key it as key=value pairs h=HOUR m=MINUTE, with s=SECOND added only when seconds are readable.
h=12 m=54 s=14
